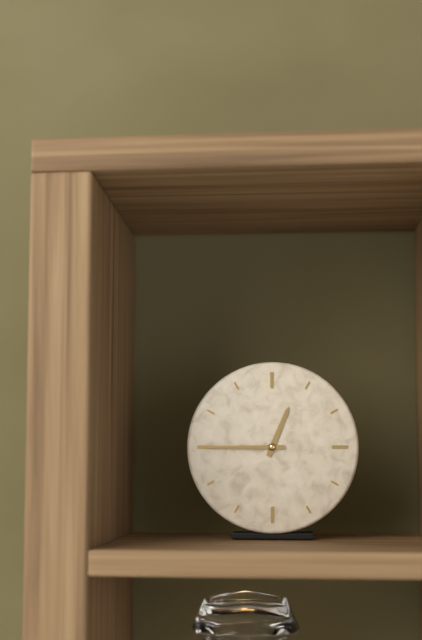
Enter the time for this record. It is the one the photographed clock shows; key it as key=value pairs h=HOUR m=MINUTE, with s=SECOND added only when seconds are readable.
h=12 m=45
